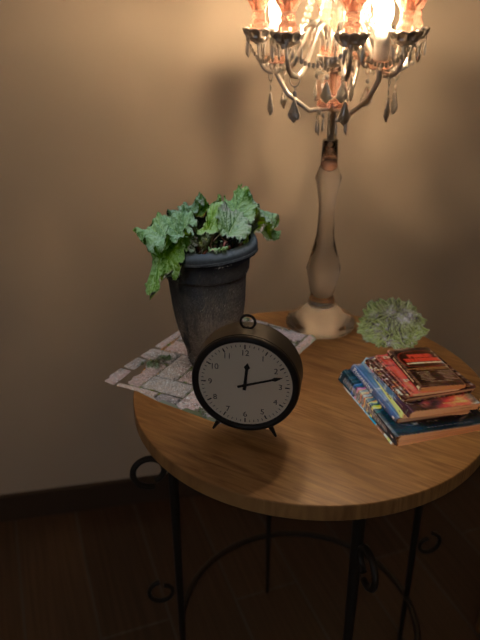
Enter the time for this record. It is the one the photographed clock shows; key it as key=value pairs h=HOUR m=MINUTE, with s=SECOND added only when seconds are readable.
h=12 m=12
